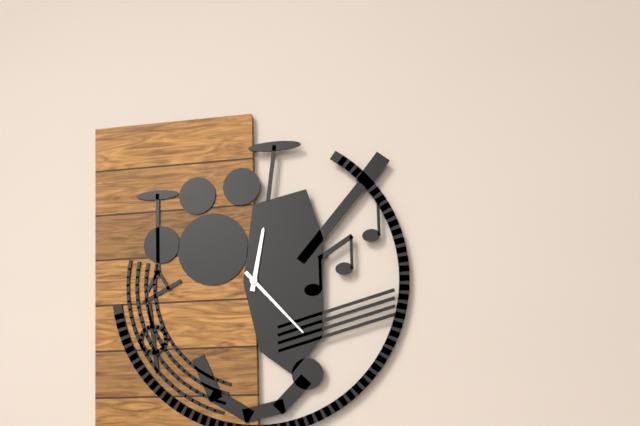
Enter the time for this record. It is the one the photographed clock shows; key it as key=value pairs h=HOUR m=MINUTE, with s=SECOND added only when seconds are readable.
h=12 m=23
